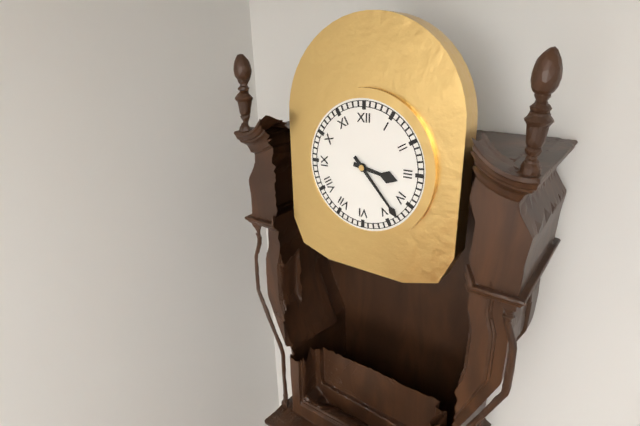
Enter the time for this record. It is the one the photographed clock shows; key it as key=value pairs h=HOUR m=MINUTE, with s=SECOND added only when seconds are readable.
h=3 m=23
